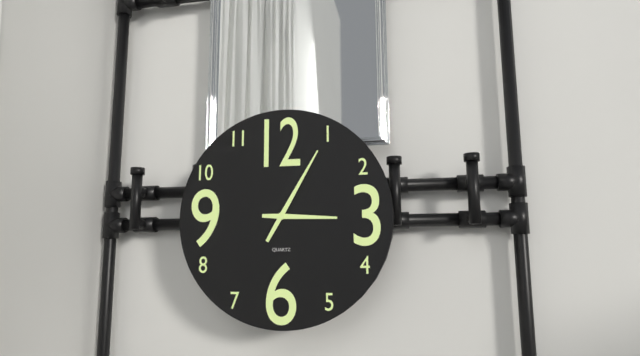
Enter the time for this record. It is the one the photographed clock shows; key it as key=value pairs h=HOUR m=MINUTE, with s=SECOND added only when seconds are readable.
h=3 m=5
